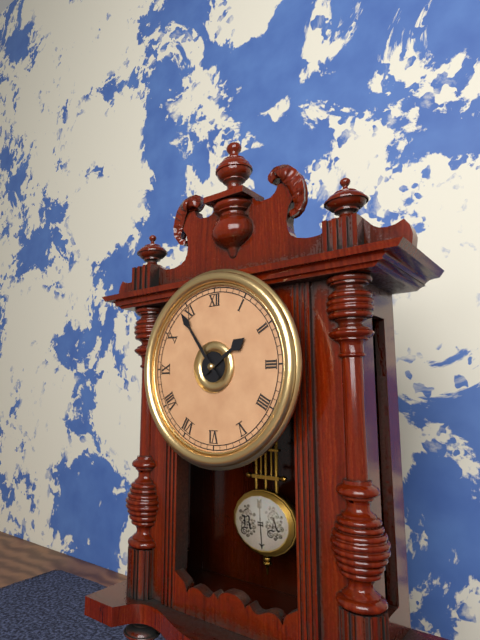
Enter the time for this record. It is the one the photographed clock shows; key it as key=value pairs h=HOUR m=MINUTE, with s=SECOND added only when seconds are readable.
h=1 m=54
